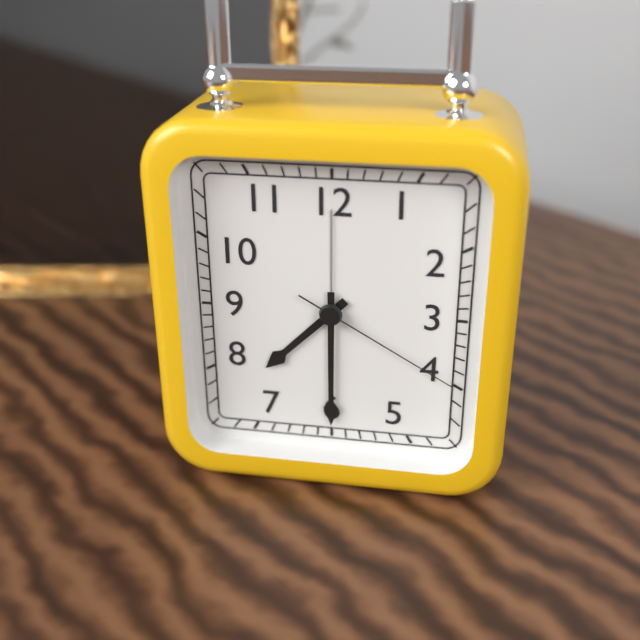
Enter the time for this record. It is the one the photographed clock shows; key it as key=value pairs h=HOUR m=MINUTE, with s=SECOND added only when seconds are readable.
h=7 m=30 s=20
